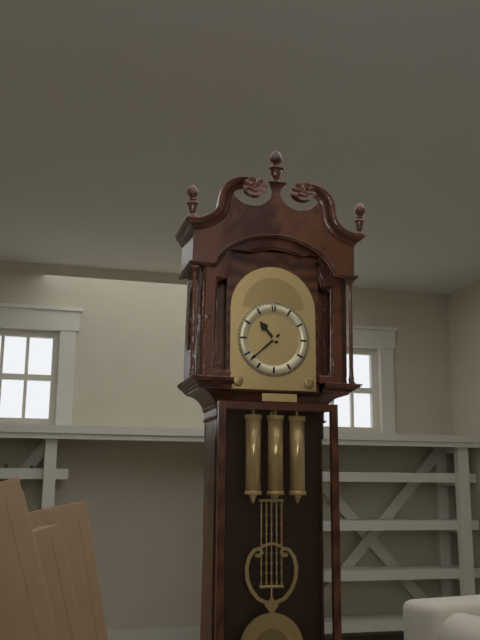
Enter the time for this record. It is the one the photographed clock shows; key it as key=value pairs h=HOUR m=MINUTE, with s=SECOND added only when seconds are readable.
h=10 m=38
